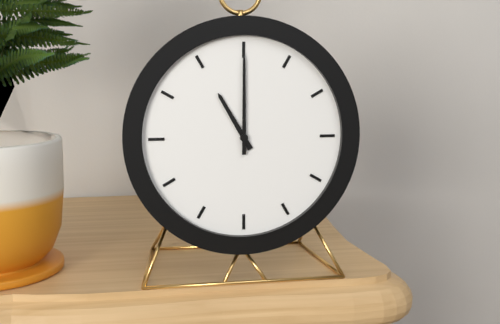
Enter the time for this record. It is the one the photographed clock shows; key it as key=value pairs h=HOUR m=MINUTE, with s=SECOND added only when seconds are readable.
h=11 m=0
